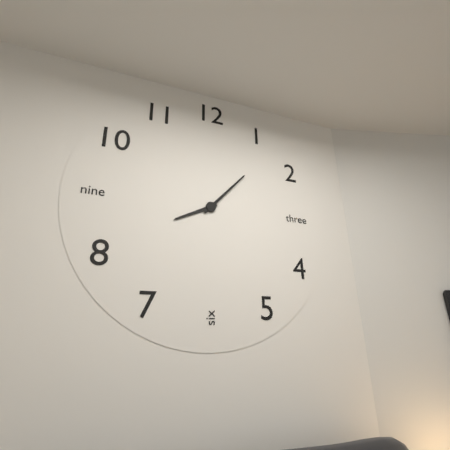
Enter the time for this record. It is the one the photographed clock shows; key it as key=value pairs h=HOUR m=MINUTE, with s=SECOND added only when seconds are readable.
h=8 m=7
